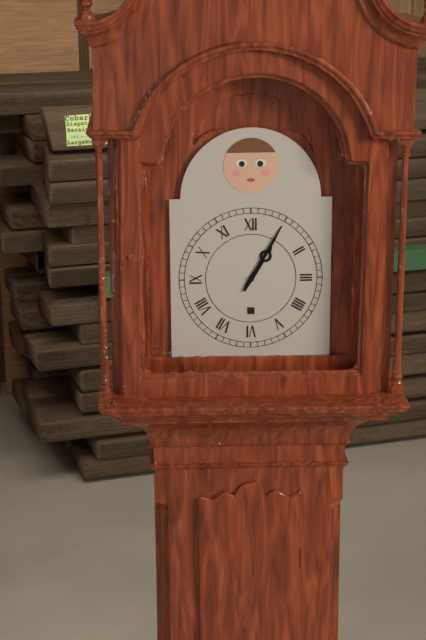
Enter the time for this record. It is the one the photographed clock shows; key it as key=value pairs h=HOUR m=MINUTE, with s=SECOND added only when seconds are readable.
h=1 m=5
